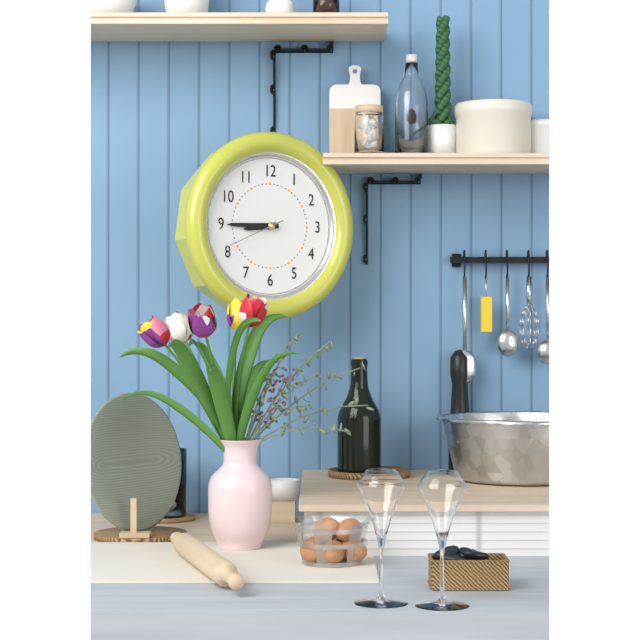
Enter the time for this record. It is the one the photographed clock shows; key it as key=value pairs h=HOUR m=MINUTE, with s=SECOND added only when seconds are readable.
h=8 m=45
